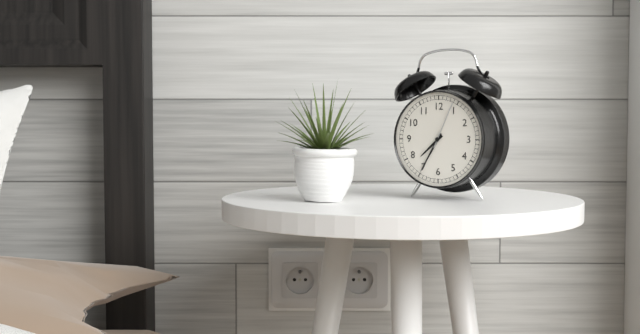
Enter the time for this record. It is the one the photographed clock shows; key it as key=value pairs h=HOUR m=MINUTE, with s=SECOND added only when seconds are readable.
h=7 m=35
